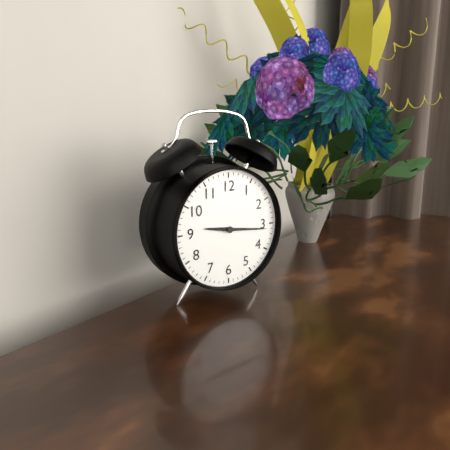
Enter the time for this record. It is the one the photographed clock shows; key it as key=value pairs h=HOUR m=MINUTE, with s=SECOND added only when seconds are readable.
h=9 m=16
